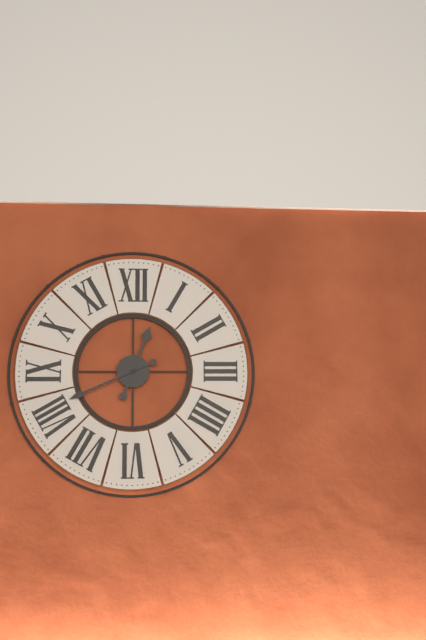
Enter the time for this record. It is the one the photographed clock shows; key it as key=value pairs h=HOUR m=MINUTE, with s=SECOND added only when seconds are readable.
h=12 m=41
